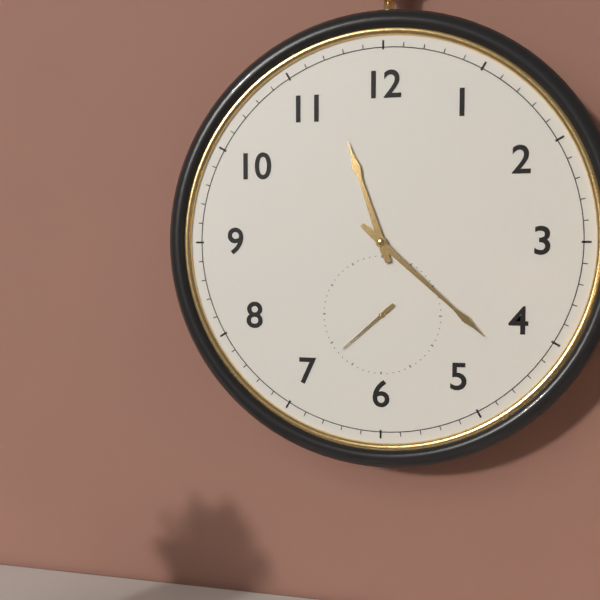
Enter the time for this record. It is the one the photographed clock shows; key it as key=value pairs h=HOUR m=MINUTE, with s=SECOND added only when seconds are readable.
h=11 m=22 s=38
